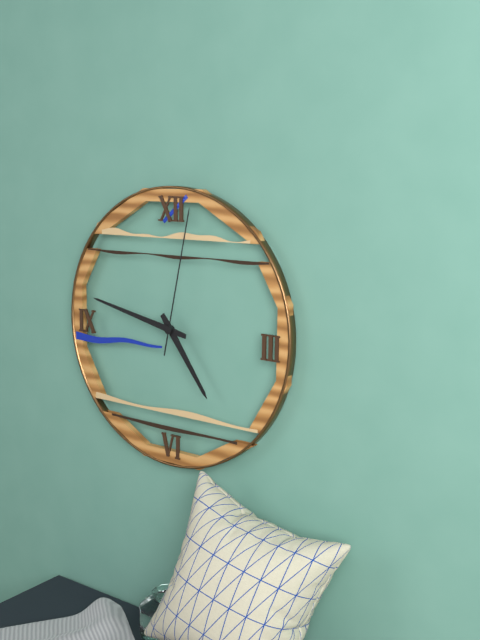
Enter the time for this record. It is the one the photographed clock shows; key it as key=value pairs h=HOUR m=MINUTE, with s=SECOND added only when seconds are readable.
h=4 m=47 s=2
